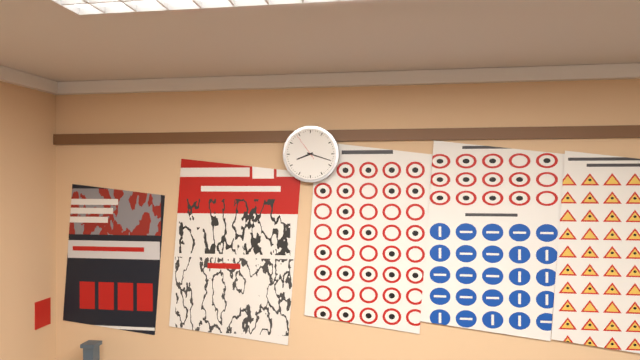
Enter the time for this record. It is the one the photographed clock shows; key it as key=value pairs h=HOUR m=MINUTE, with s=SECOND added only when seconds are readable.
h=8 m=18
